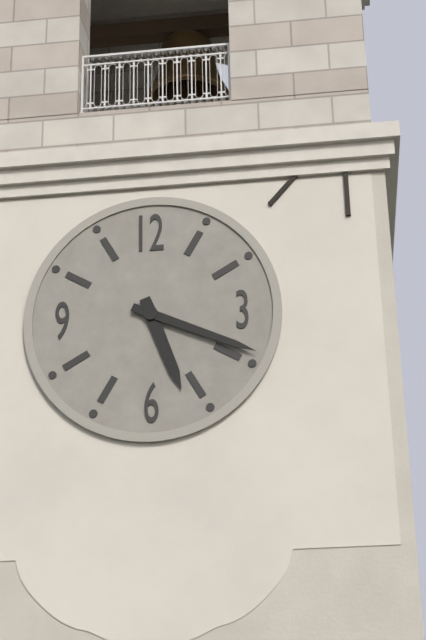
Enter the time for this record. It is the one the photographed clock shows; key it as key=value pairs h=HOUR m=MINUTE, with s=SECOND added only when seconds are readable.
h=5 m=19
